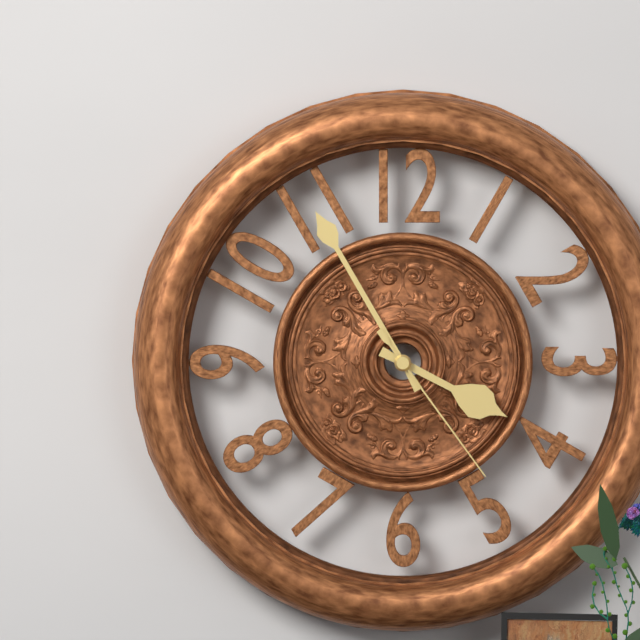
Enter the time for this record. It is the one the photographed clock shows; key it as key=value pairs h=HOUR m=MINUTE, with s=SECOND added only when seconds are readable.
h=3 m=55 s=24
